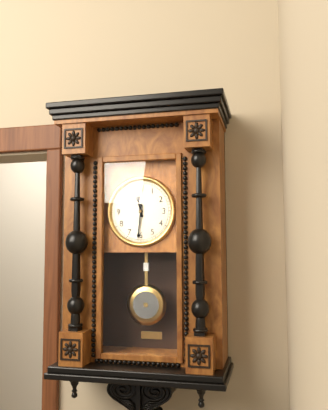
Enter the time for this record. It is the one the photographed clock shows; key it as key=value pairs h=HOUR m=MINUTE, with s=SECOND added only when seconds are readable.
h=11 m=31
